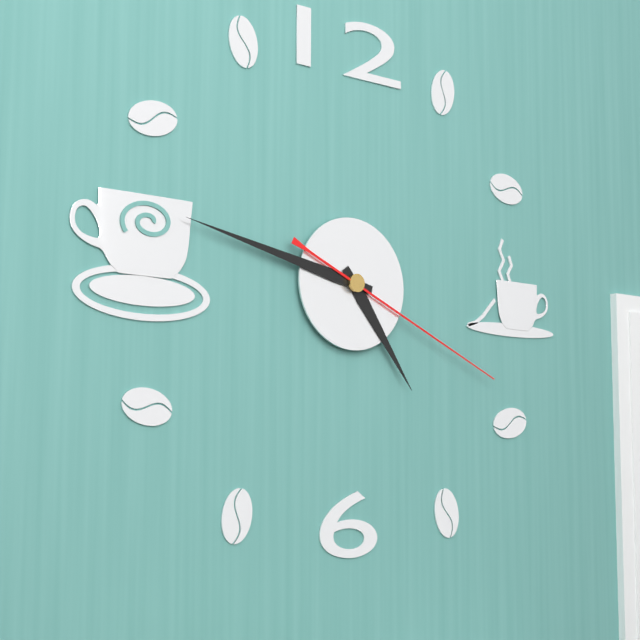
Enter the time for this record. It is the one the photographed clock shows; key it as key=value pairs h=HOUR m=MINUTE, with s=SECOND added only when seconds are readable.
h=4 m=47 s=19
